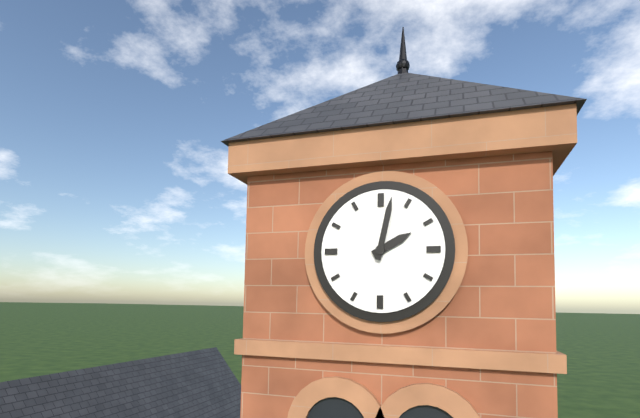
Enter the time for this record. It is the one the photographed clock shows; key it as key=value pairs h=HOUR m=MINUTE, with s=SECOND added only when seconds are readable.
h=2 m=2
